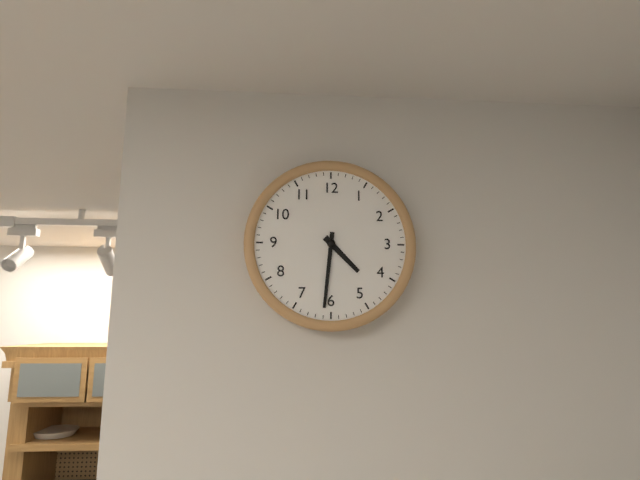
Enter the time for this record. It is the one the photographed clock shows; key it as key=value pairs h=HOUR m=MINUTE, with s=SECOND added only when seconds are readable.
h=4 m=31
